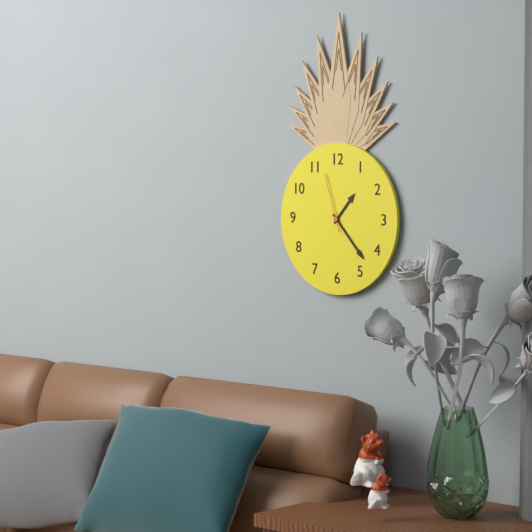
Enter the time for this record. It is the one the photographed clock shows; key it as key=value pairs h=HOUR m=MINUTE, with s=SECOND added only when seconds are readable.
h=1 m=23 s=57
